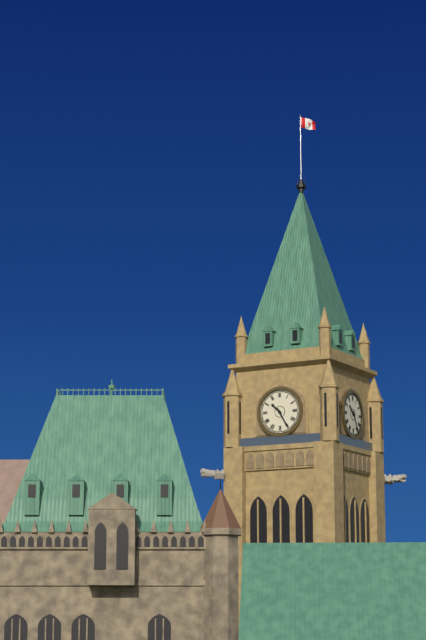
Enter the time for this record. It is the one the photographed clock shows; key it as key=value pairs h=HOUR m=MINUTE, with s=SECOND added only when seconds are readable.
h=10 m=25
